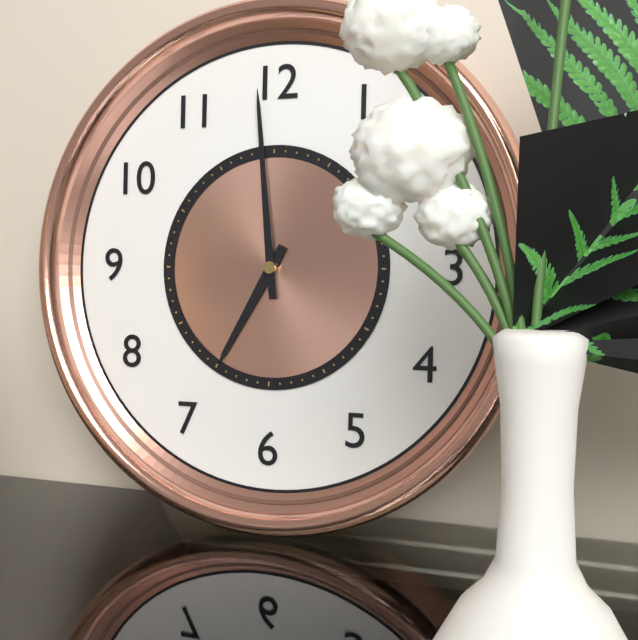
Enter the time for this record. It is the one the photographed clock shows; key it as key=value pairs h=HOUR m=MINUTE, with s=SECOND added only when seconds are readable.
h=6 m=59
